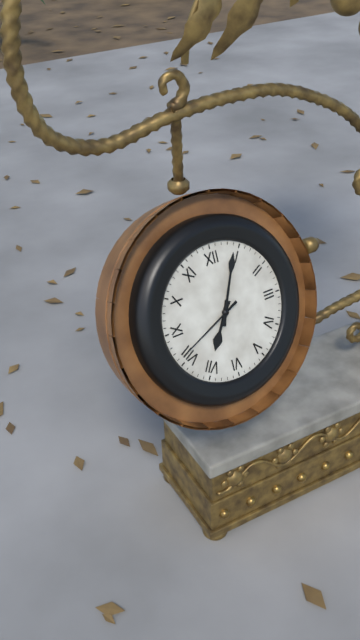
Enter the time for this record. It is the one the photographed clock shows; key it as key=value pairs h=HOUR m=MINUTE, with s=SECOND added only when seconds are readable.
h=7 m=4 s=41
